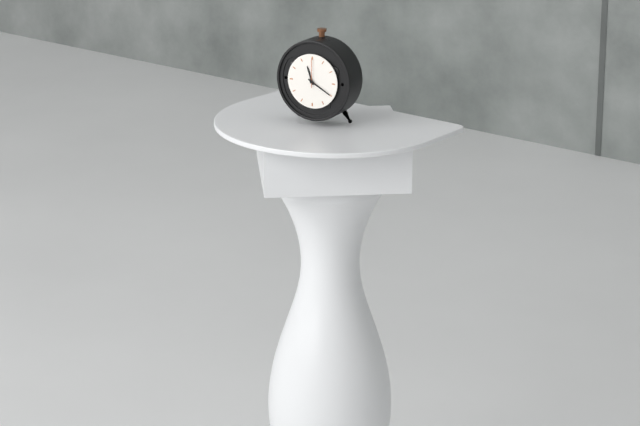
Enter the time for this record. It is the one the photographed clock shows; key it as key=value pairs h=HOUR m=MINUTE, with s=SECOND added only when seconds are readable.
h=11 m=20
